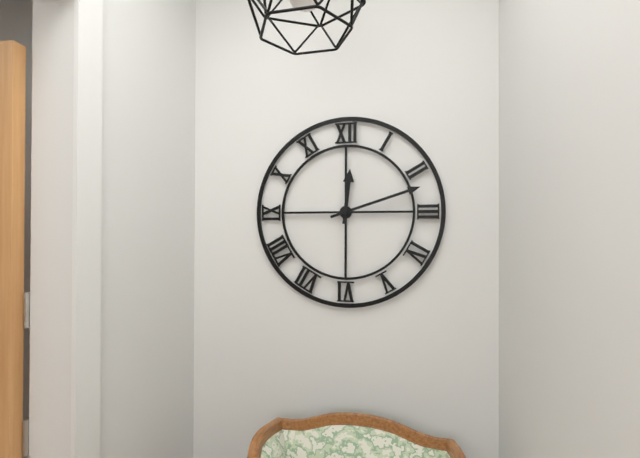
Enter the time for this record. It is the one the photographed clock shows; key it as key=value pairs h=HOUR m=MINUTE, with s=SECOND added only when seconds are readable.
h=12 m=12
